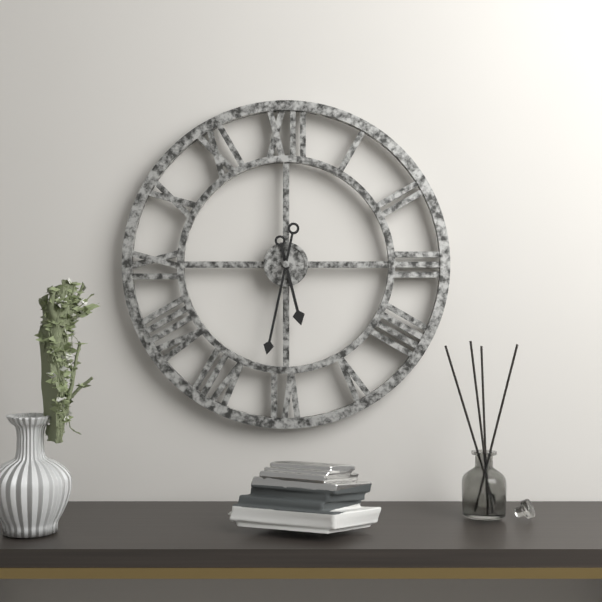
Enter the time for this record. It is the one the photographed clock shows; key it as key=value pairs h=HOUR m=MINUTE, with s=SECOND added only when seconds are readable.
h=5 m=32
